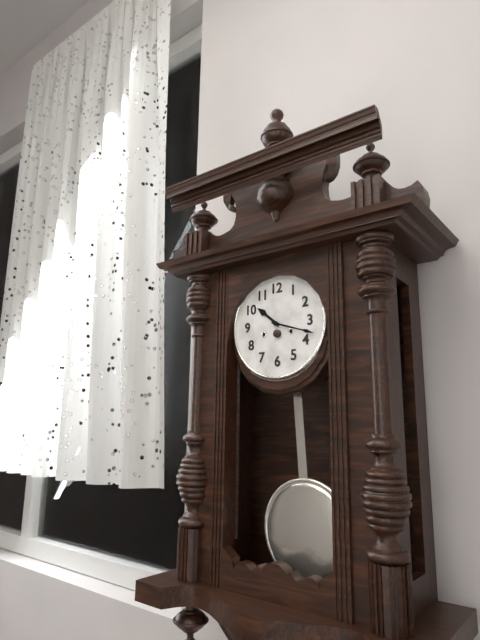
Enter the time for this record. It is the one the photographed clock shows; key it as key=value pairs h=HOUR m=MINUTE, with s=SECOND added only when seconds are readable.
h=10 m=18
